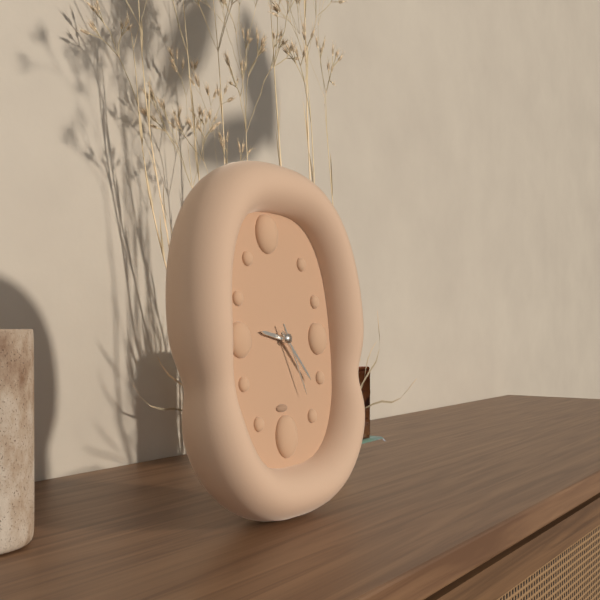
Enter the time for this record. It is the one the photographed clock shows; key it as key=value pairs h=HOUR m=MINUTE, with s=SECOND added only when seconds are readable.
h=9 m=23 s=26
